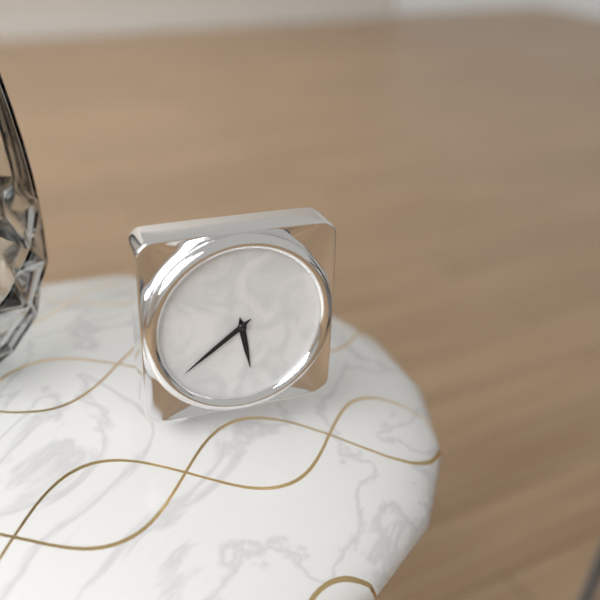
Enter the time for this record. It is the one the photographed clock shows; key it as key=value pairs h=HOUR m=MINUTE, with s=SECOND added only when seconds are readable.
h=5 m=39
